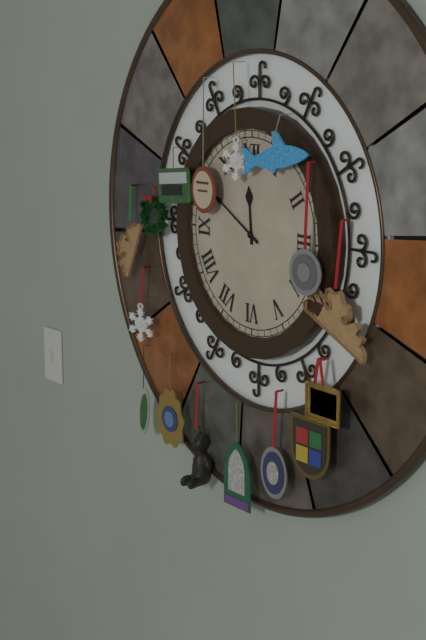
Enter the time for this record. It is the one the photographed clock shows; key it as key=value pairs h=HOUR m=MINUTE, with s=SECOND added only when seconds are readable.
h=11 m=50
